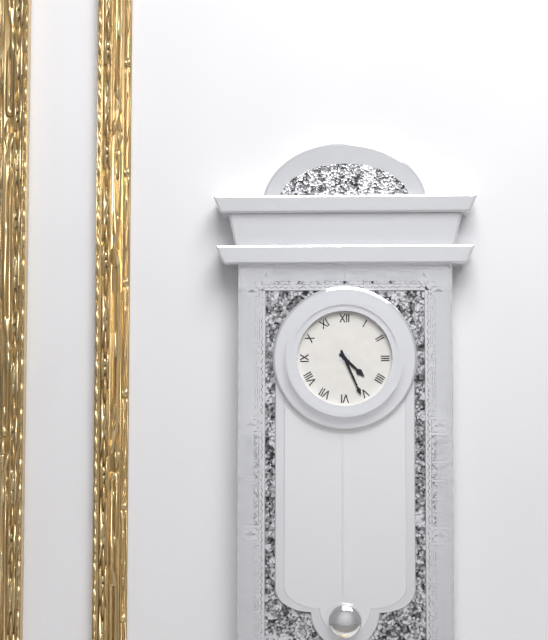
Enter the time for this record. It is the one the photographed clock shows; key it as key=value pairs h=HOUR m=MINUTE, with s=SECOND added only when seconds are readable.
h=4 m=26
